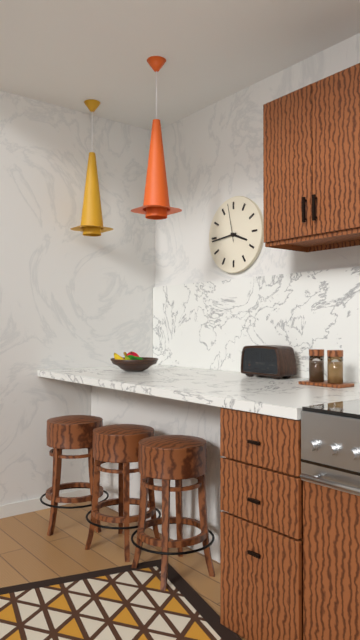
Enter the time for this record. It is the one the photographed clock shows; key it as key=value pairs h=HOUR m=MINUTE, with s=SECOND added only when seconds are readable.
h=3 m=44
